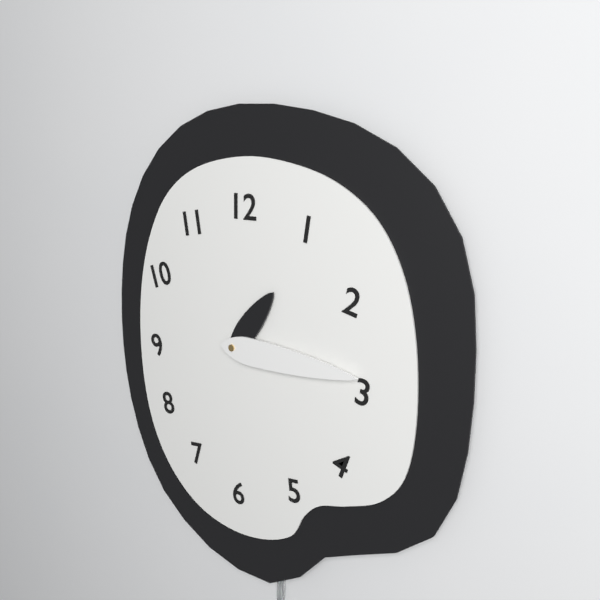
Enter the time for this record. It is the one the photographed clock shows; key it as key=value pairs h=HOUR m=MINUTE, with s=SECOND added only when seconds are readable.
h=1 m=15
